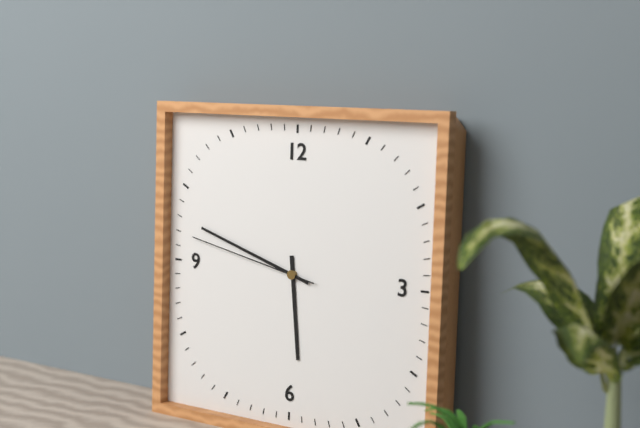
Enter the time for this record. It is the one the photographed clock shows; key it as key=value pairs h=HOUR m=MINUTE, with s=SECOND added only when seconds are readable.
h=5 m=48 s=47
